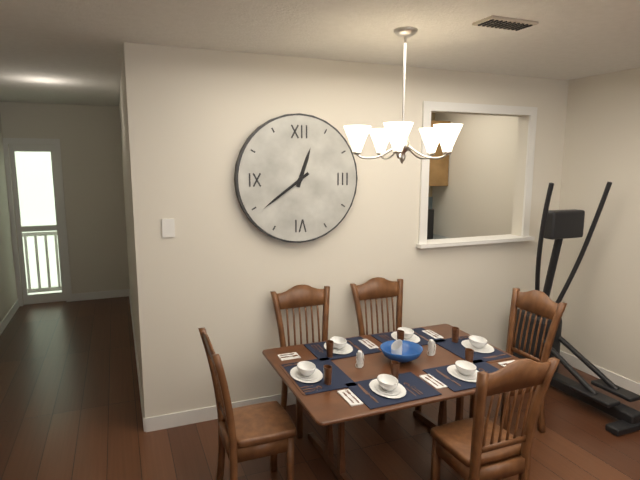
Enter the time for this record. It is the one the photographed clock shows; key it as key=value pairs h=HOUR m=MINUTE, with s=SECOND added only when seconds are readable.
h=12 m=39
